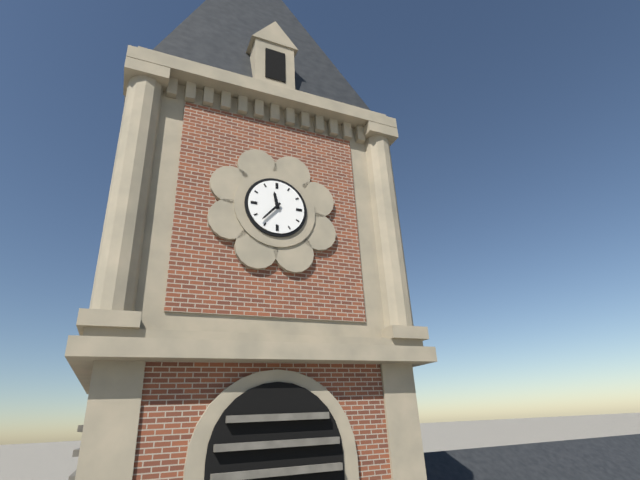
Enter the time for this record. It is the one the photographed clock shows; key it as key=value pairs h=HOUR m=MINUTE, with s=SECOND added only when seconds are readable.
h=11 m=37
